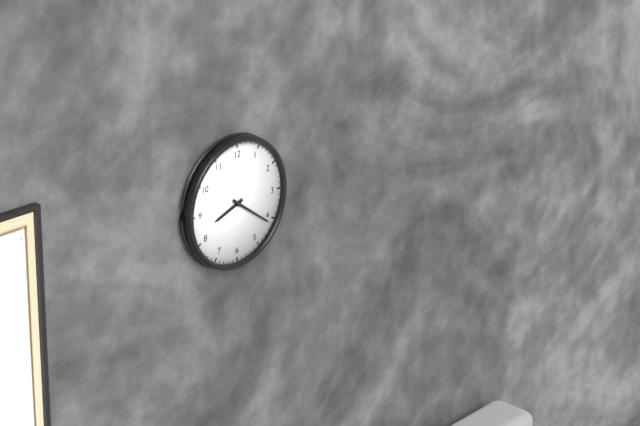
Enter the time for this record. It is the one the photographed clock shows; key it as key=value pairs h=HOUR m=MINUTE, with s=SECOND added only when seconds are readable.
h=8 m=21
